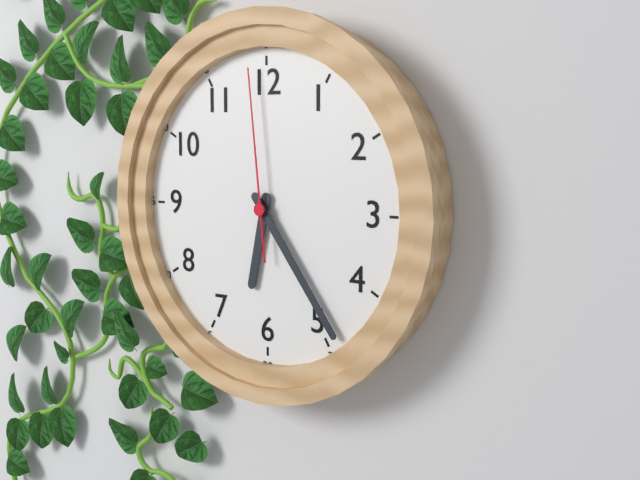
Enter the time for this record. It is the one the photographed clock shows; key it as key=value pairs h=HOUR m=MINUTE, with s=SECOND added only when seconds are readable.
h=6 m=24 s=59
